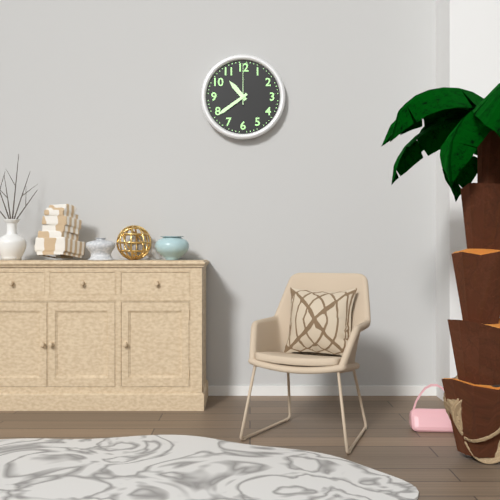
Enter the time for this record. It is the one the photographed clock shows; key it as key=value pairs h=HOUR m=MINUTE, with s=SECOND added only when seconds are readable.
h=10 m=39
